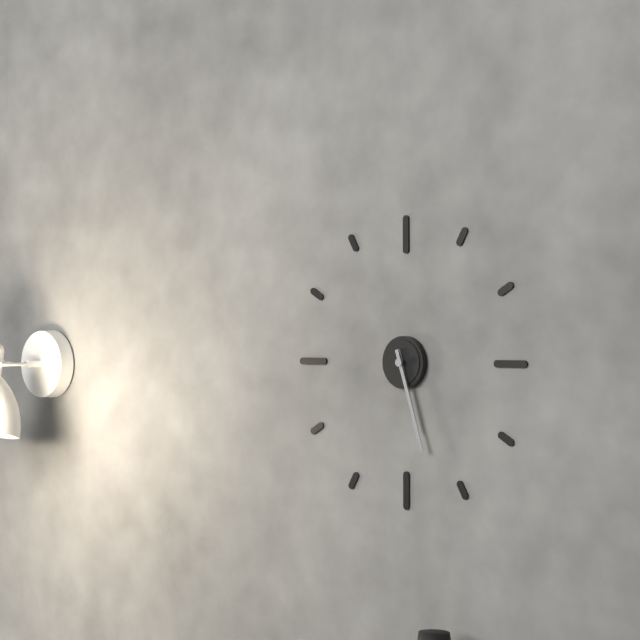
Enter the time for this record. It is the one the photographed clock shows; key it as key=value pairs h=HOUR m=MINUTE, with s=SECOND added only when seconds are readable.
h=5 m=27
